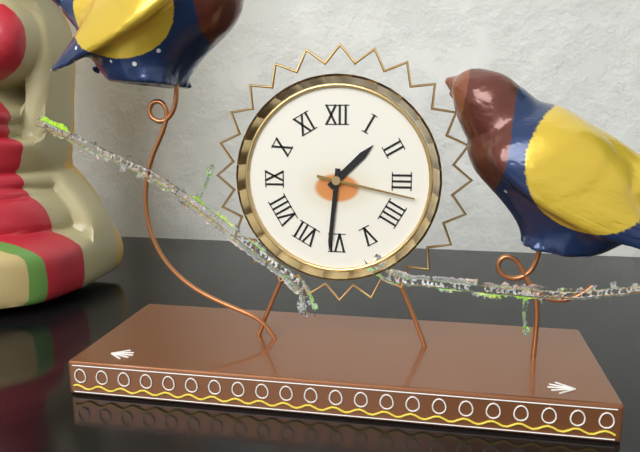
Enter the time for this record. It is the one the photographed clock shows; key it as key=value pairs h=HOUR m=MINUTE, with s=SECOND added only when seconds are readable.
h=1 m=31 s=17
